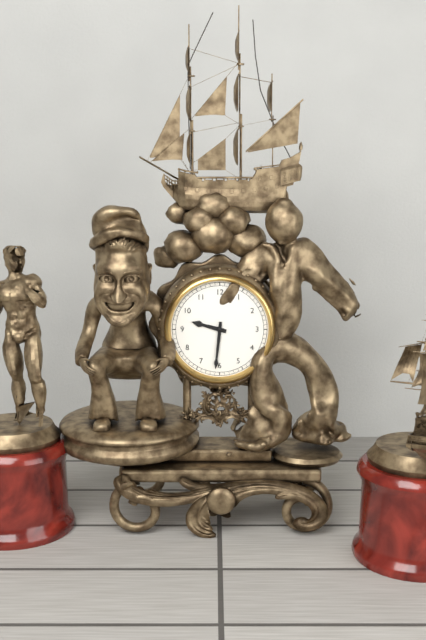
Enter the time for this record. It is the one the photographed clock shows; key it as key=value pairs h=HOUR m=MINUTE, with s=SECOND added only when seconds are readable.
h=9 m=31
